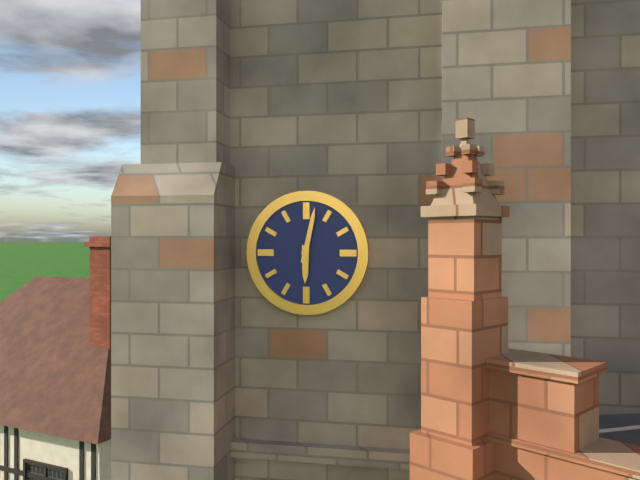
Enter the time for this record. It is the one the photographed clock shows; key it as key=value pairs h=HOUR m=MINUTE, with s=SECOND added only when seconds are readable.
h=6 m=2
